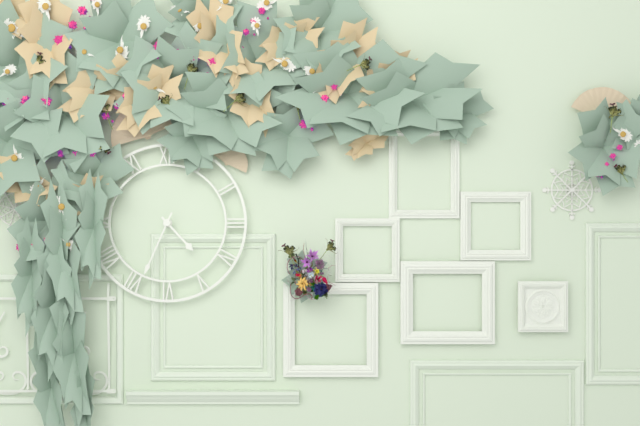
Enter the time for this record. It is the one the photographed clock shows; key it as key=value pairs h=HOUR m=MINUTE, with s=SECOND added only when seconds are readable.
h=4 m=34
